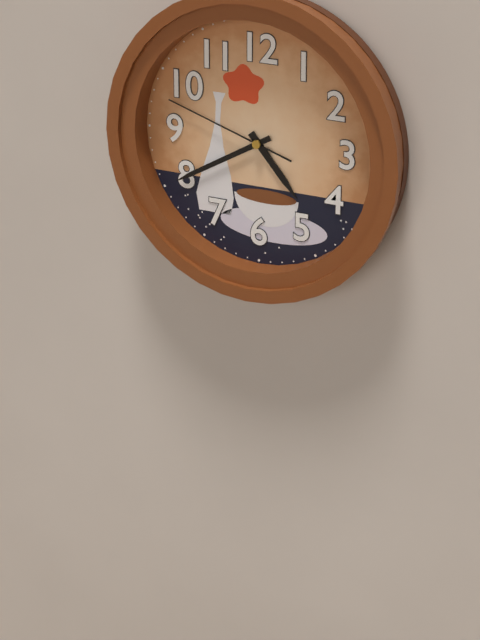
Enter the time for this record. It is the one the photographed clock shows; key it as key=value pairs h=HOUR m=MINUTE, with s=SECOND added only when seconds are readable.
h=4 m=40 s=48
